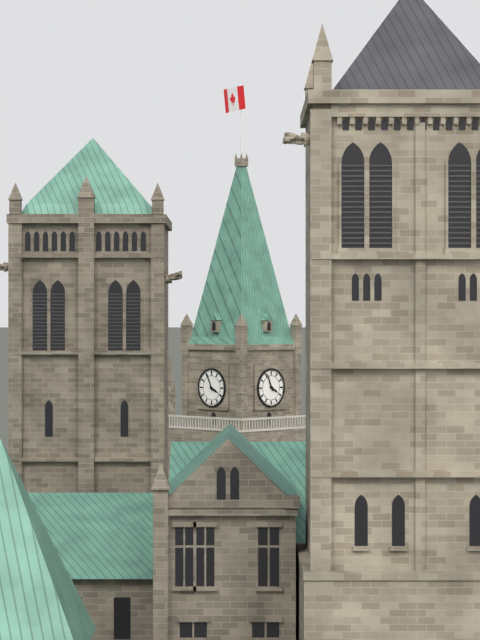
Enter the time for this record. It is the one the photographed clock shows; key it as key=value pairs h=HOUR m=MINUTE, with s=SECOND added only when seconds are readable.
h=3 m=56
